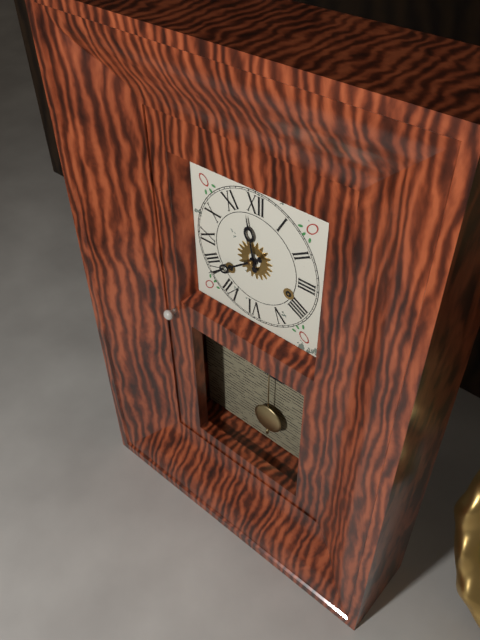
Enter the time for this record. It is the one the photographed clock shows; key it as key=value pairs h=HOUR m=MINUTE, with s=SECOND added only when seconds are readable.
h=11 m=39
